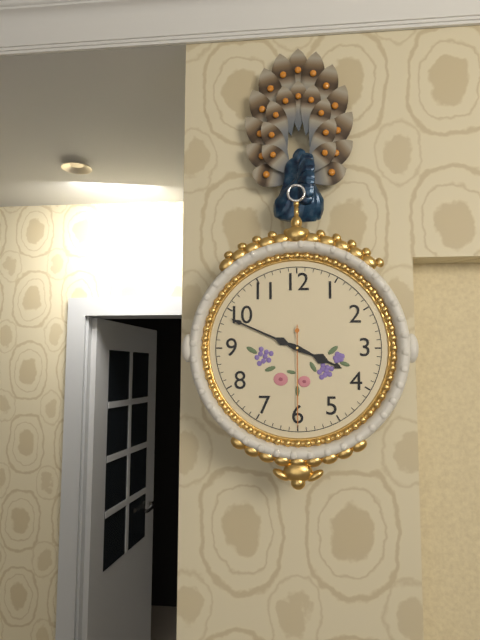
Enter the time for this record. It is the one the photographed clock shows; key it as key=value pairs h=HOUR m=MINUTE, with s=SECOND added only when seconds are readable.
h=3 m=49 s=30
